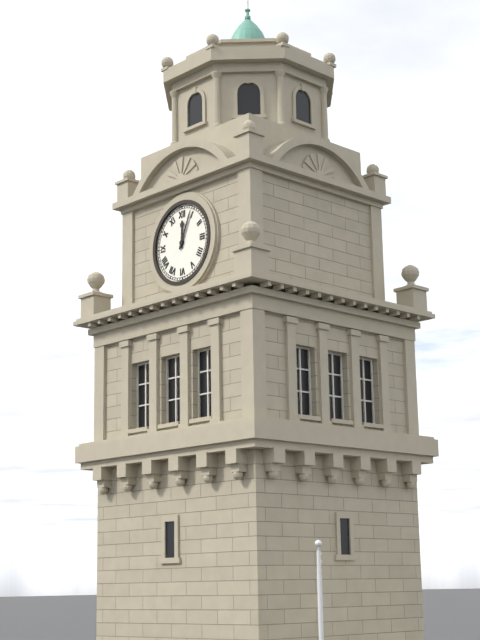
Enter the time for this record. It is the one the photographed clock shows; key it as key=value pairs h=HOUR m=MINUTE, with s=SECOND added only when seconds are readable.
h=12 m=4
